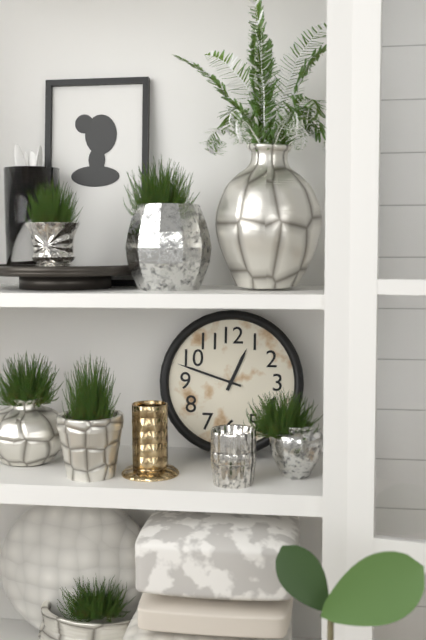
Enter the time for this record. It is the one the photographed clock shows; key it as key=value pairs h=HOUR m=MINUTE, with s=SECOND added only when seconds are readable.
h=12 m=48
